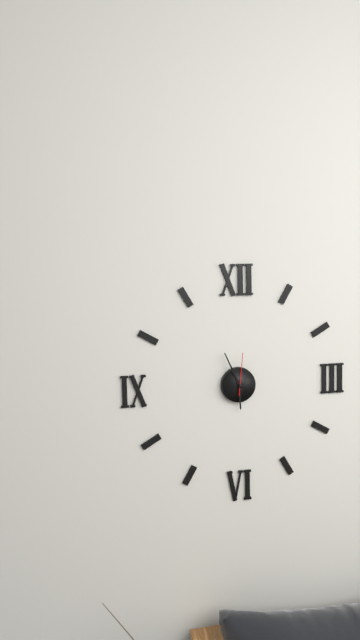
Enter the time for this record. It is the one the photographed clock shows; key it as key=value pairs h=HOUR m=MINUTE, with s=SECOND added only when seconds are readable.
h=5 m=56
